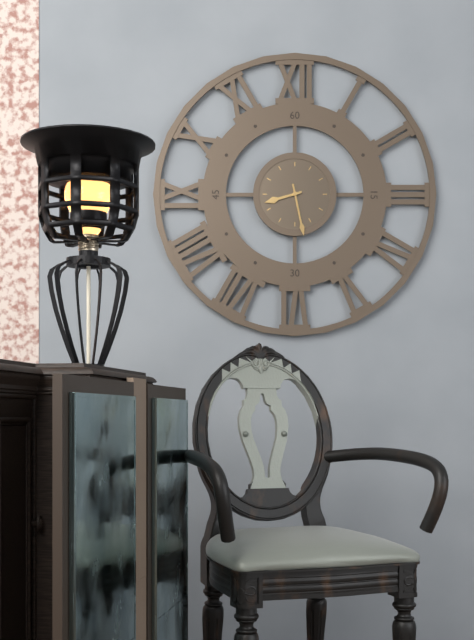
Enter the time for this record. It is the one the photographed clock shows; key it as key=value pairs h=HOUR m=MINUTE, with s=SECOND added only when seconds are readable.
h=8 m=28
